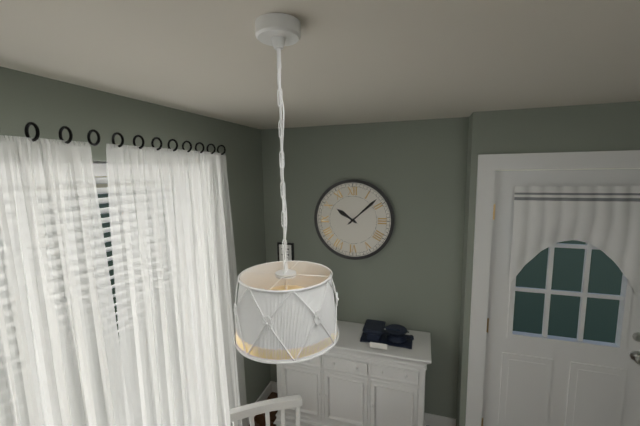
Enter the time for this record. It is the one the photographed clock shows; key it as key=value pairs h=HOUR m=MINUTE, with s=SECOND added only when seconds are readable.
h=10 m=8
